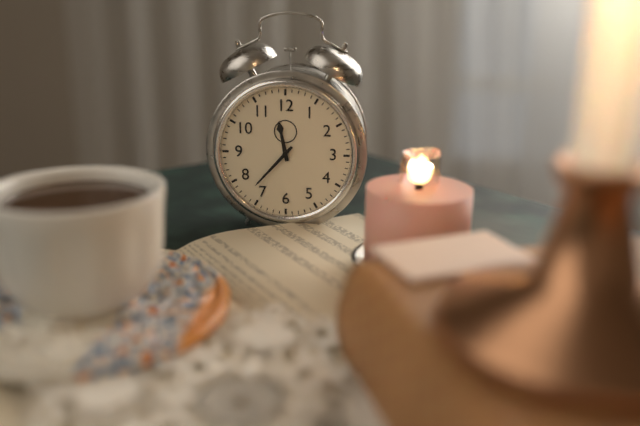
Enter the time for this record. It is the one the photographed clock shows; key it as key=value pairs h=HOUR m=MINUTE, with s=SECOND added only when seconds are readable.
h=11 m=37
